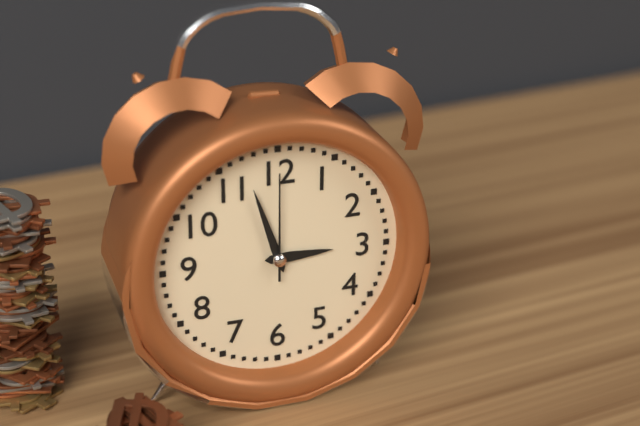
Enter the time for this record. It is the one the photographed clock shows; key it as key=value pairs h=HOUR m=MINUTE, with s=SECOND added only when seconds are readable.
h=2 m=57 s=0
